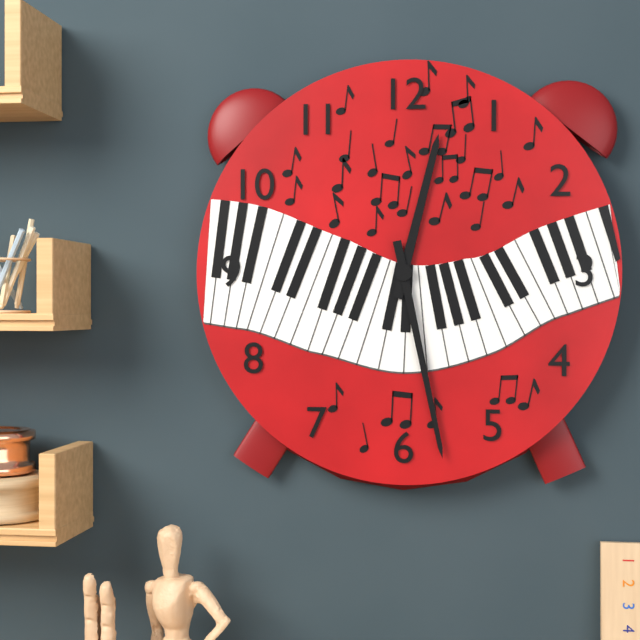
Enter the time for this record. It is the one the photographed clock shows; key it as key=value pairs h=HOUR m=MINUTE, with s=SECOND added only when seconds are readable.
h=12 m=28
